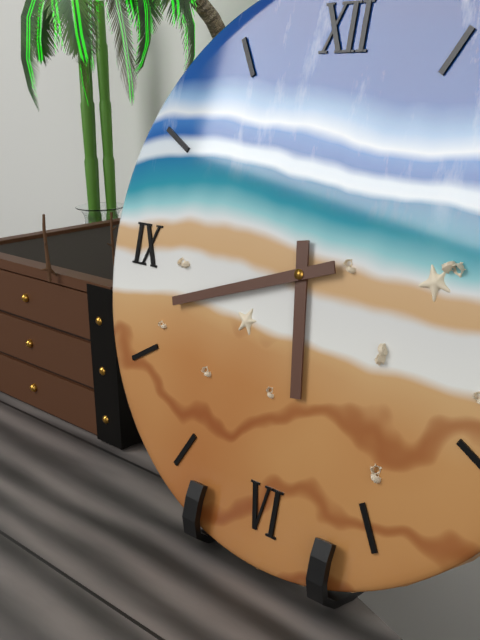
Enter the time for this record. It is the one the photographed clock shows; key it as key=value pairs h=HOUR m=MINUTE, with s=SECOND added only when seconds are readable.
h=5 m=42
